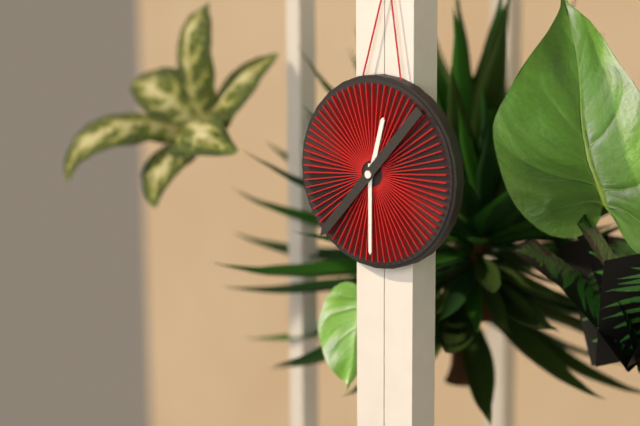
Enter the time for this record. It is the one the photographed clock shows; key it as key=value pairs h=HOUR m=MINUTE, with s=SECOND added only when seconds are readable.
h=12 m=30 s=37
